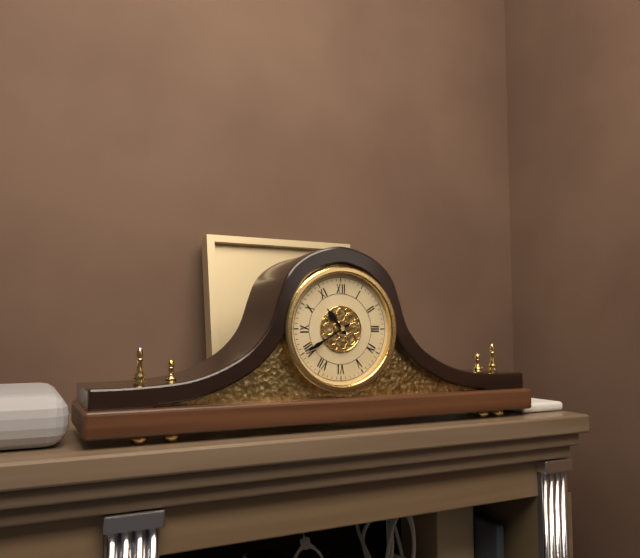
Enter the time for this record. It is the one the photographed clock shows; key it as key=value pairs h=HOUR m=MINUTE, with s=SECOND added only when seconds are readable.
h=10 m=40
